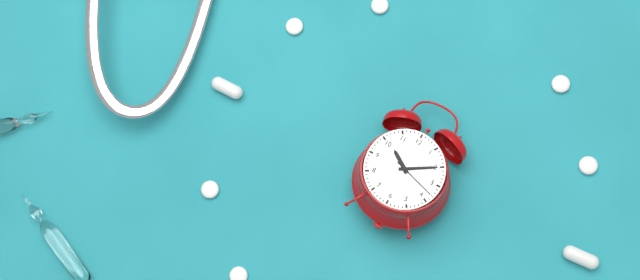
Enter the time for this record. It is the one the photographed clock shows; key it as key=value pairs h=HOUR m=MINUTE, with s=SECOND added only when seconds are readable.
h=10 m=10
